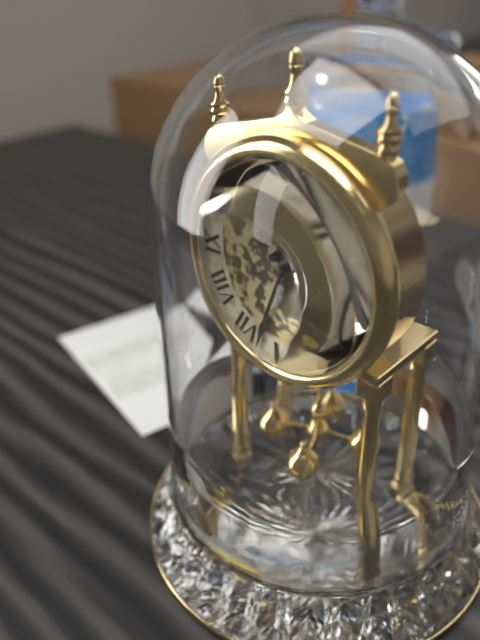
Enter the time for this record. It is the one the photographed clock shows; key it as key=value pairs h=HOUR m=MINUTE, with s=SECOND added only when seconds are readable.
h=3 m=33
